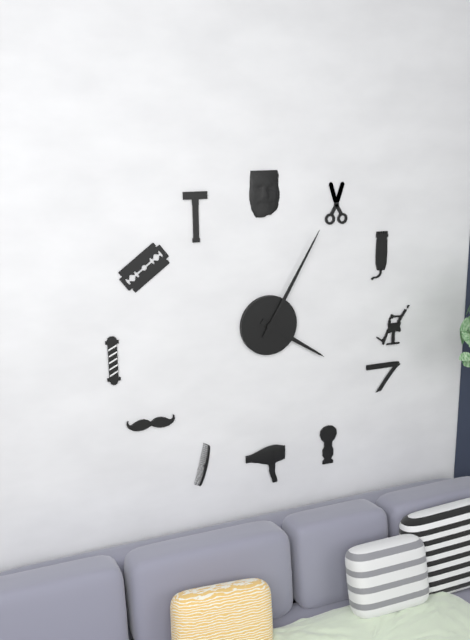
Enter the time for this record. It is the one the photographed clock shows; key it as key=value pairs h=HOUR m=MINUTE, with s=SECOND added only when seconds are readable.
h=4 m=5
